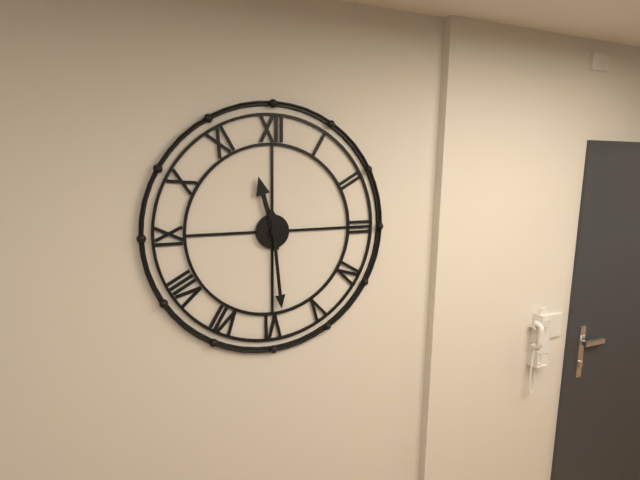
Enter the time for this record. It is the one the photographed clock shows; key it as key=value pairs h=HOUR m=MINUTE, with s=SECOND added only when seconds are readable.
h=11 m=29
